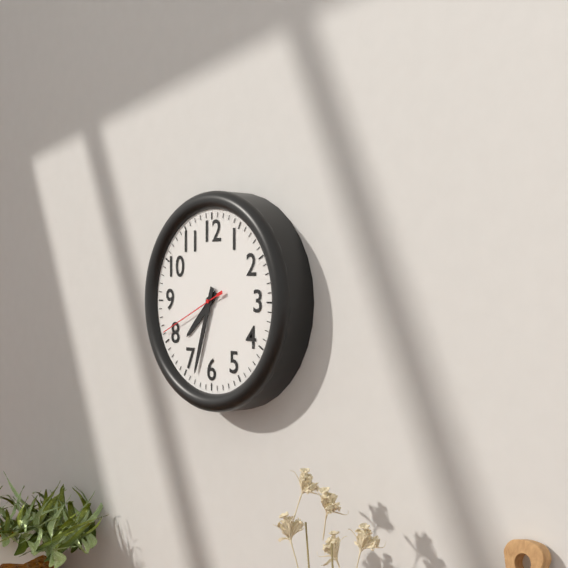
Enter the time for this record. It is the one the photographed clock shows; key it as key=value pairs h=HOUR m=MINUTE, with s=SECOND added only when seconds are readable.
h=7 m=33 s=41
